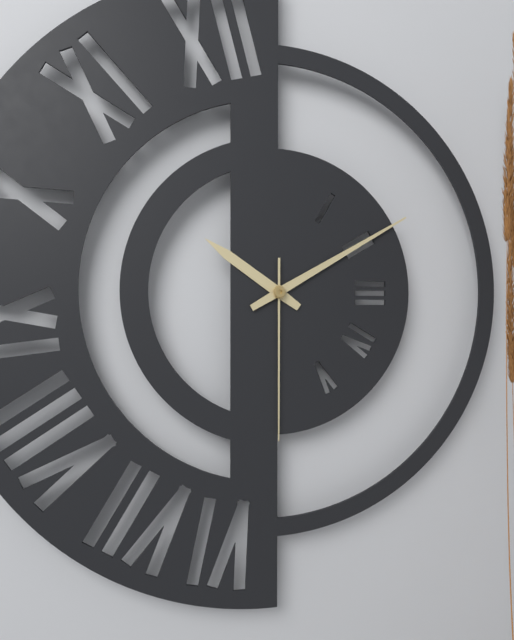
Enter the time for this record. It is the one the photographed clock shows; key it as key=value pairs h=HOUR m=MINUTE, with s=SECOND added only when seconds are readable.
h=10 m=10 s=30
